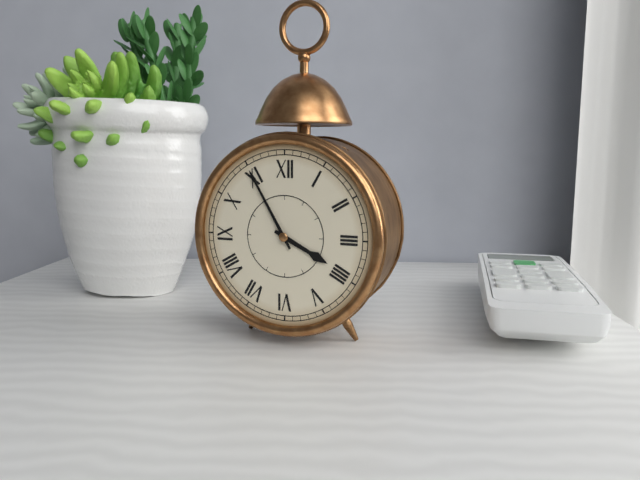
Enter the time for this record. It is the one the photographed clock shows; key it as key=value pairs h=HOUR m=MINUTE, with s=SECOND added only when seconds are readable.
h=3 m=55
